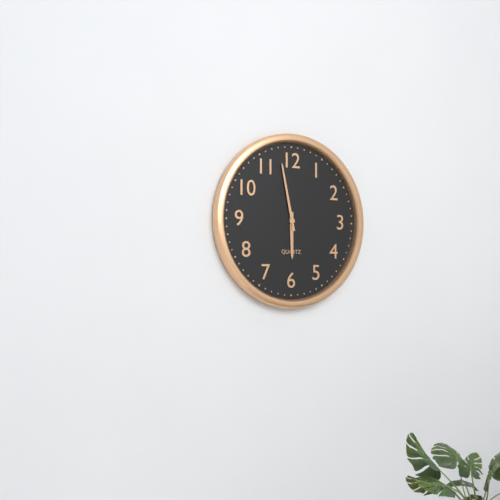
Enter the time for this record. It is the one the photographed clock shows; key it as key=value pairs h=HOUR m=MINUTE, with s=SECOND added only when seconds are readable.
h=5 m=58
